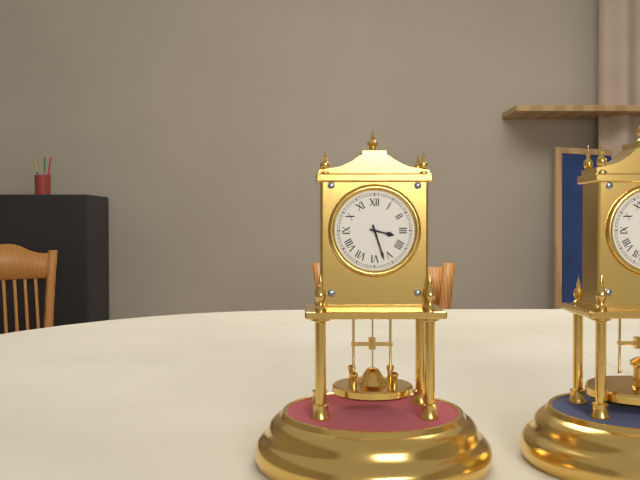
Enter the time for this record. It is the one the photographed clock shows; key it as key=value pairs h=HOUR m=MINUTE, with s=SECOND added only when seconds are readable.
h=3 m=27
